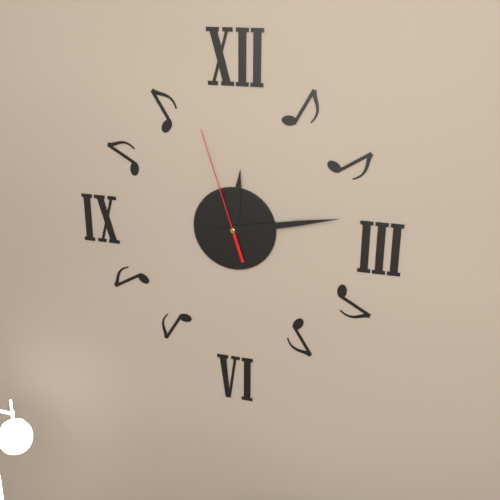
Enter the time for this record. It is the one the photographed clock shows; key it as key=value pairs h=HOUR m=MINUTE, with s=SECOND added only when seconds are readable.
h=12 m=13 s=57
